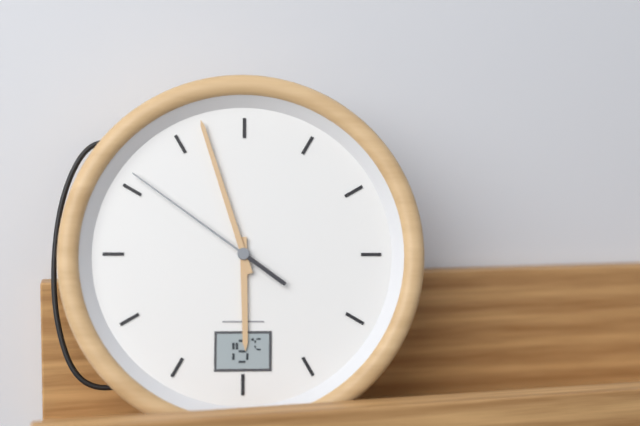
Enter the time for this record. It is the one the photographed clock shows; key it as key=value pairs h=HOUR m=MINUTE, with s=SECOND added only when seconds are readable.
h=5 m=57 s=51
